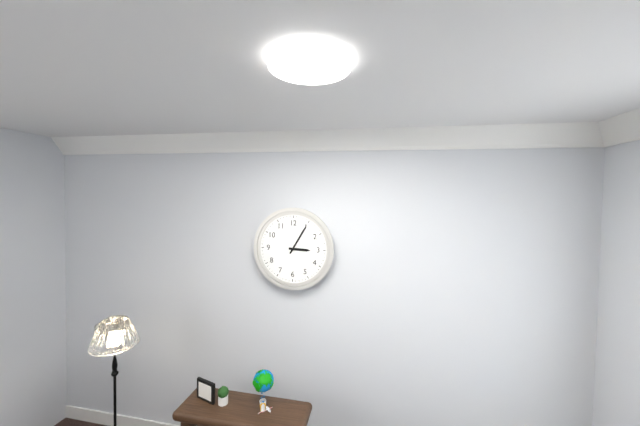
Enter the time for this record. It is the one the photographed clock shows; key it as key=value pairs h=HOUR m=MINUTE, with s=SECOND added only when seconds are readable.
h=3 m=5
